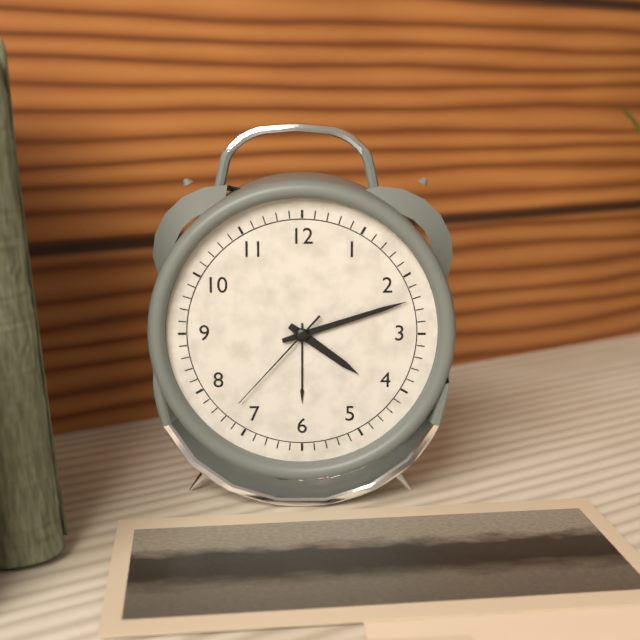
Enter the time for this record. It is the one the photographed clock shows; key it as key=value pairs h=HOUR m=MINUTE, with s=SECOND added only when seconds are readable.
h=4 m=12 s=37
